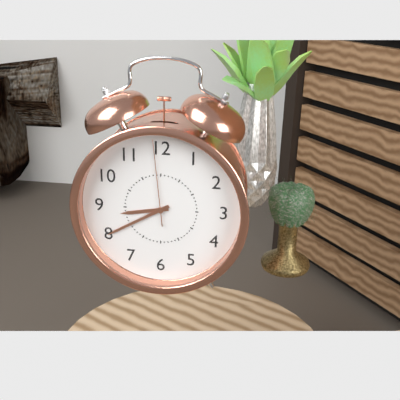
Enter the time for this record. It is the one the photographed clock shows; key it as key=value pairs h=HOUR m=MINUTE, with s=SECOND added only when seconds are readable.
h=8 m=40 s=59
